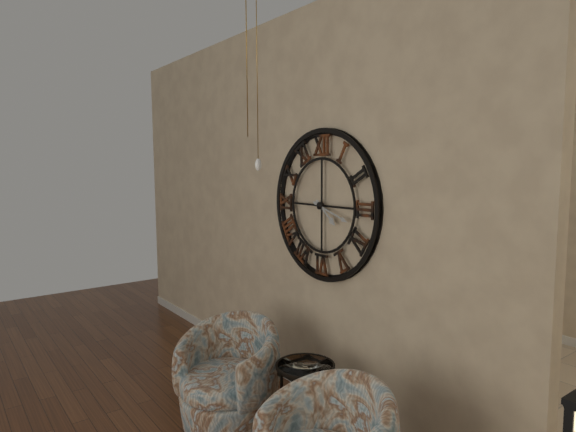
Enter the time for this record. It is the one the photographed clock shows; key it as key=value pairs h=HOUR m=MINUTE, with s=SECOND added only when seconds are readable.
h=4 m=18
